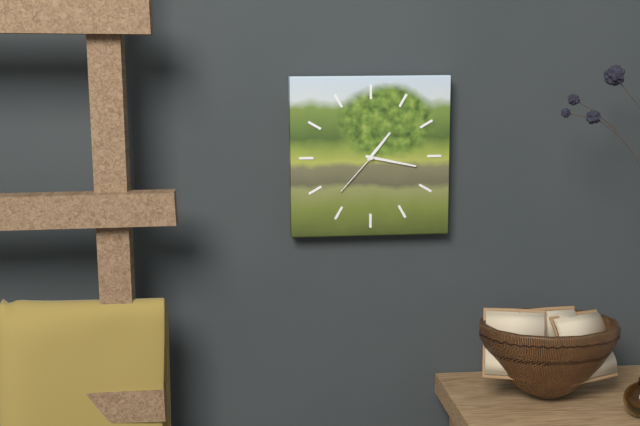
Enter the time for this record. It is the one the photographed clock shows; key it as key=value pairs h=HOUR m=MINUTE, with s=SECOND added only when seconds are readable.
h=1 m=17 s=37
